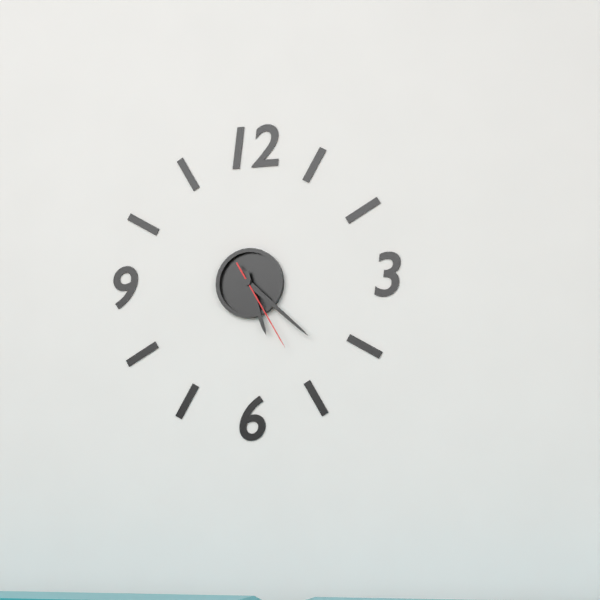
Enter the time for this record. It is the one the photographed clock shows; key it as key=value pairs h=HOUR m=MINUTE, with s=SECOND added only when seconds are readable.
h=5 m=22 s=25
